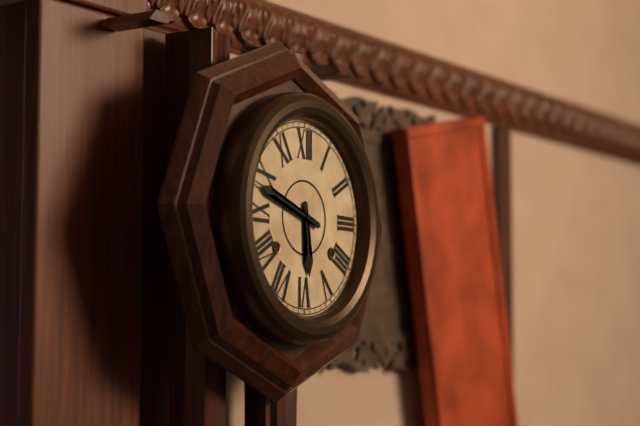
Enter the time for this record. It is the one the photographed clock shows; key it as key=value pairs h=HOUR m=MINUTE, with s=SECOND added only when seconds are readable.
h=5 m=48
